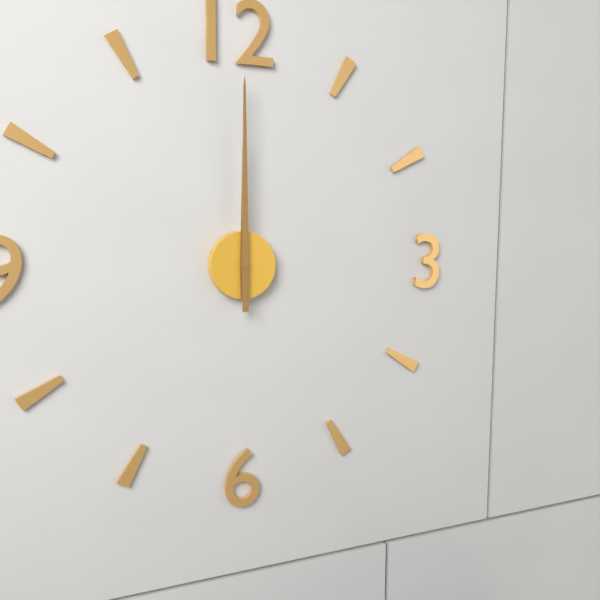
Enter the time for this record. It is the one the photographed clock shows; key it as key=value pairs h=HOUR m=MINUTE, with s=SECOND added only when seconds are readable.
h=12 m=0
